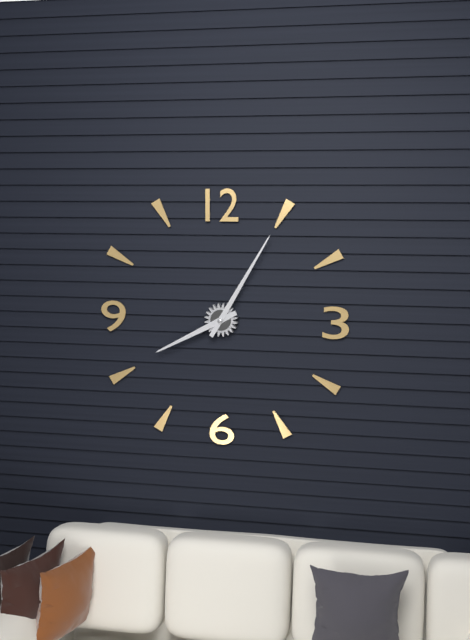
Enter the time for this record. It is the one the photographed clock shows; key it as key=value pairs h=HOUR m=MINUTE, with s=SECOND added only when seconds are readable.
h=8 m=5
